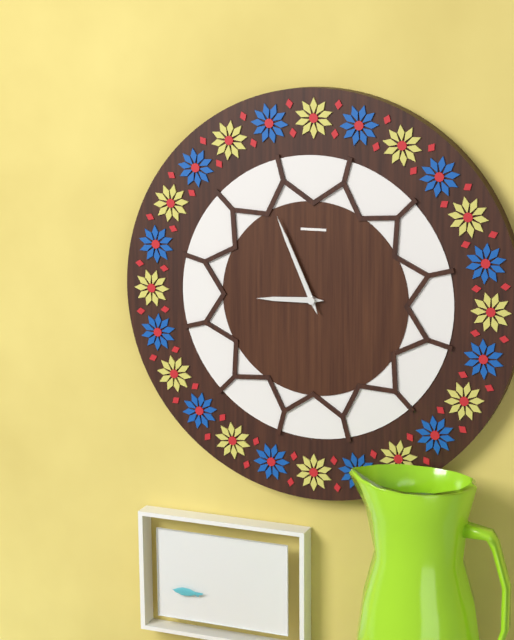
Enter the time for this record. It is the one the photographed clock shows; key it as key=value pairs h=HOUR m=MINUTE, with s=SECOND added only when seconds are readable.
h=8 m=56
